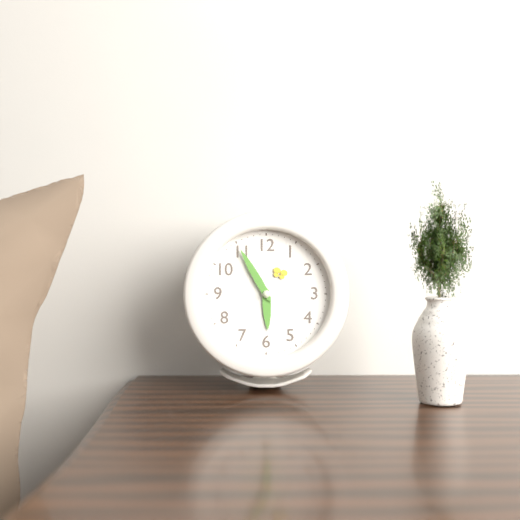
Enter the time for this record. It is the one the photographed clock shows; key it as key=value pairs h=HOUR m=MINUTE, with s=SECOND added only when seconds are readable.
h=5 m=55
